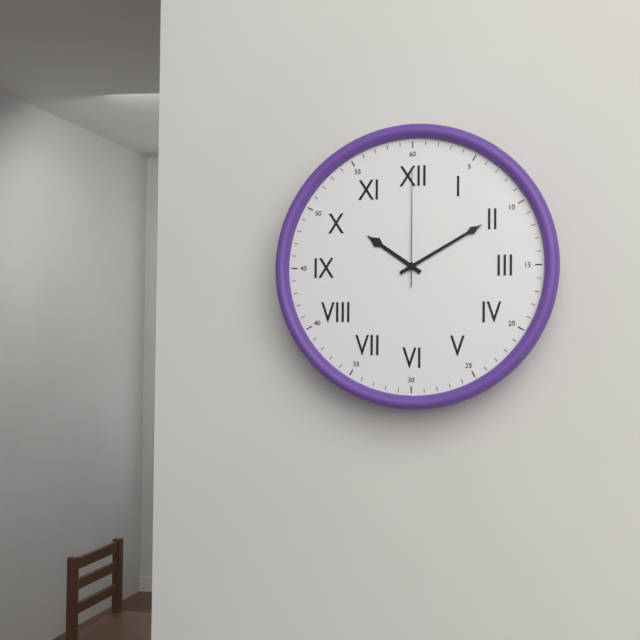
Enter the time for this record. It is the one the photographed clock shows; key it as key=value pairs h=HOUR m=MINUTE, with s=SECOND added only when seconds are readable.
h=10 m=10 s=0
